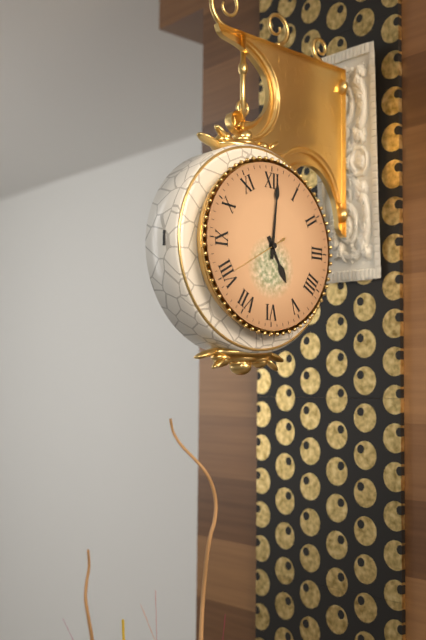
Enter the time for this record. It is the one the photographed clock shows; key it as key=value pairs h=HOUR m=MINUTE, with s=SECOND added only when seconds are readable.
h=5 m=1 s=40
